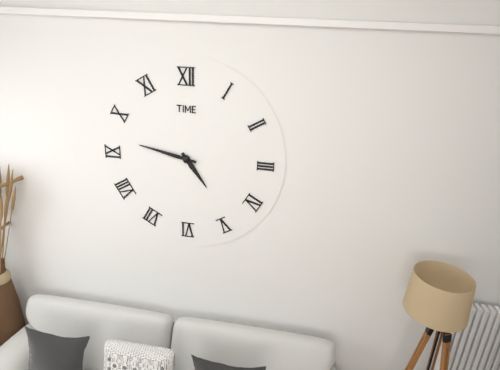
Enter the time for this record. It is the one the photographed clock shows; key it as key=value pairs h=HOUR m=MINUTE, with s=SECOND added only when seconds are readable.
h=4 m=47
